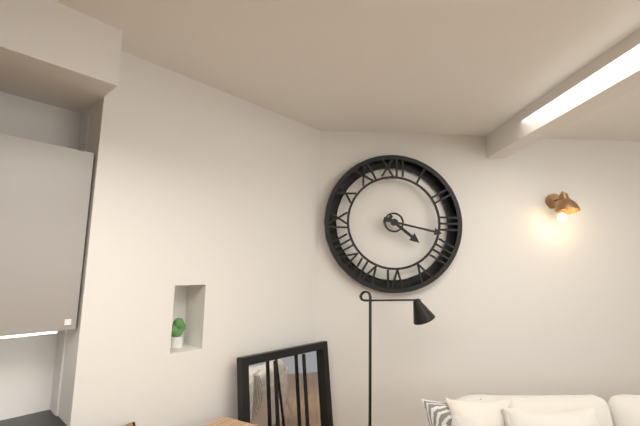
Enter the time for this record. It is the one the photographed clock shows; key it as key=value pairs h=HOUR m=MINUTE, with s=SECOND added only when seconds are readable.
h=4 m=17
